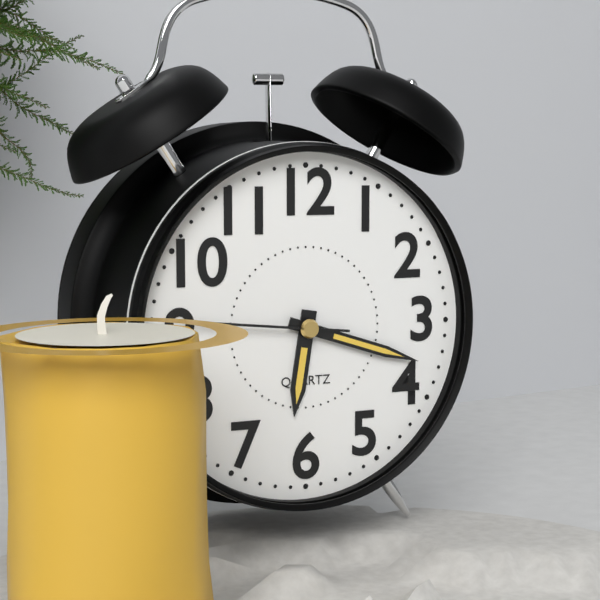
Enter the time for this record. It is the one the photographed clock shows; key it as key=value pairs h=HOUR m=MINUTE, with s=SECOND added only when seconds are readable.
h=6 m=18
